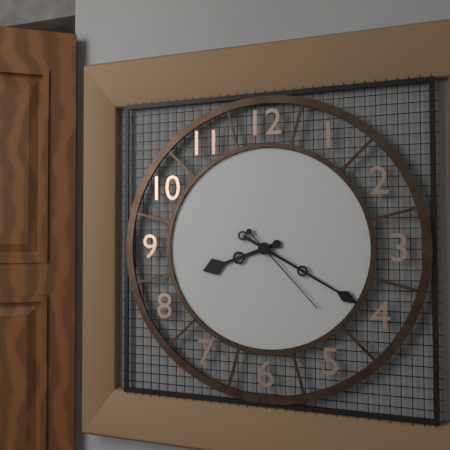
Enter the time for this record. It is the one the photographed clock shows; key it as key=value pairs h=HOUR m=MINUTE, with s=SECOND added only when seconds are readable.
h=8 m=20 s=23
